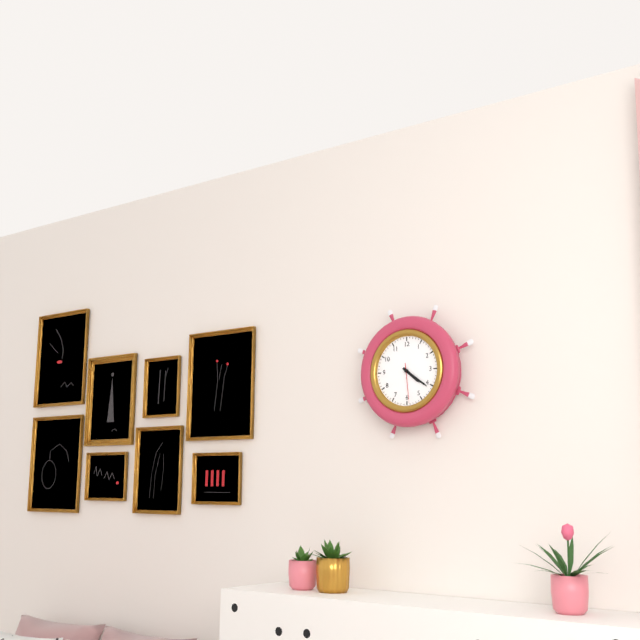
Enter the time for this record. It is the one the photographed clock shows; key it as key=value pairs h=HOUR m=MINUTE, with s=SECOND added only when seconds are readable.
h=4 m=21
